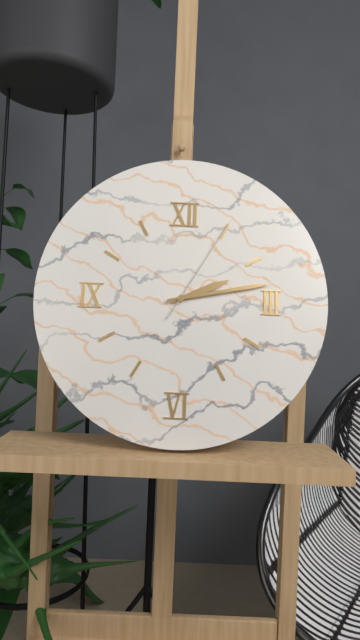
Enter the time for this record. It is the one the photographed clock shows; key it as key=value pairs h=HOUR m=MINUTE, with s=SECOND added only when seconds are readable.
h=2 m=13 s=5
